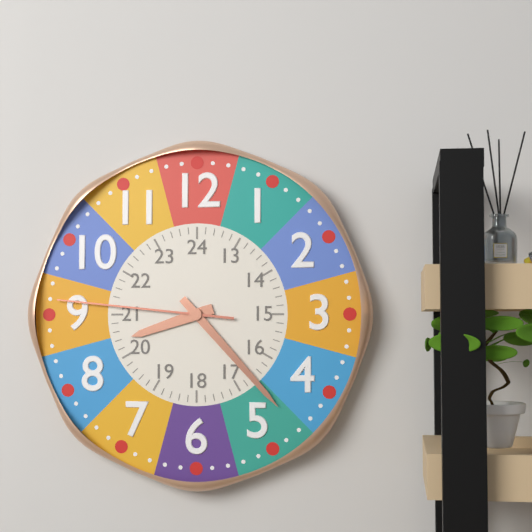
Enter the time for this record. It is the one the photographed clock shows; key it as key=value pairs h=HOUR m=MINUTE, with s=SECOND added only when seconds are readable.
h=8 m=23 s=46
